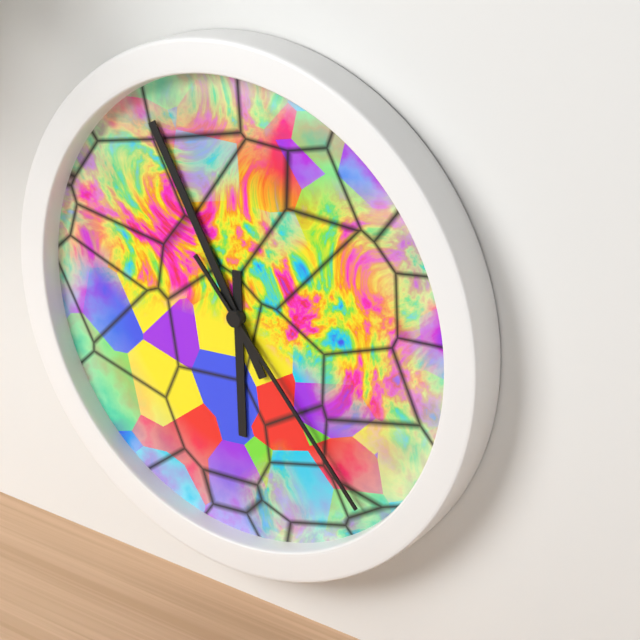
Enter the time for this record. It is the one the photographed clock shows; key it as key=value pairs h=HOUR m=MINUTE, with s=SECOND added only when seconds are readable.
h=5 m=55 s=23
